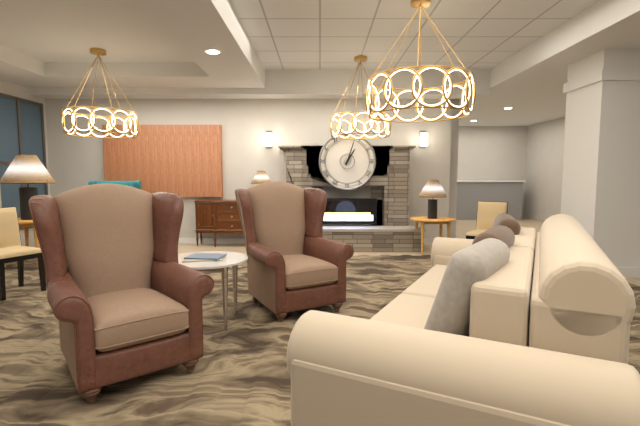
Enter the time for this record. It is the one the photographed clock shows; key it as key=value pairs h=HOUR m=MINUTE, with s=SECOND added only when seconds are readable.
h=1 m=3
